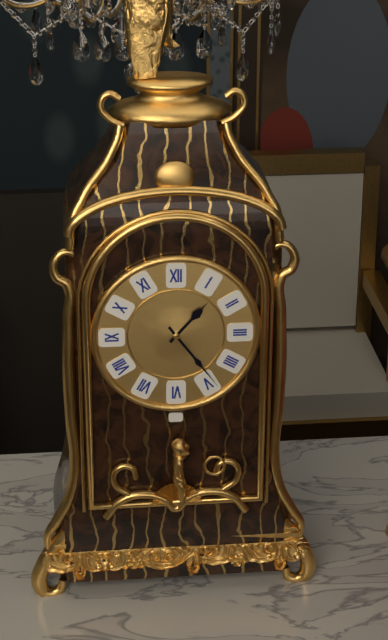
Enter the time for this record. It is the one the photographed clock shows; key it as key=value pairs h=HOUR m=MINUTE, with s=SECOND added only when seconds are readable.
h=1 m=24
